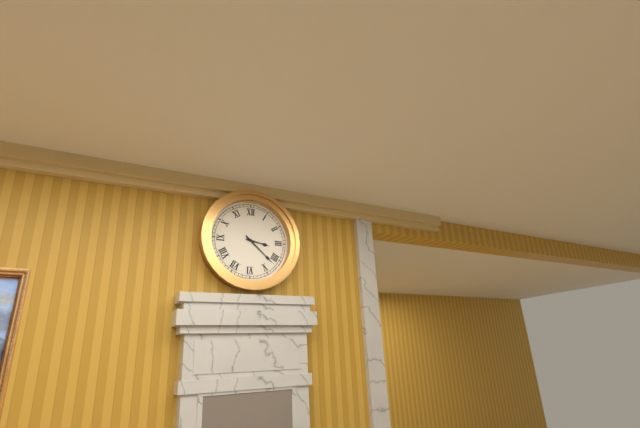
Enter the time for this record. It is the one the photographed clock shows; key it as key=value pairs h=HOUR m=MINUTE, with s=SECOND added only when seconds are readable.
h=3 m=22
